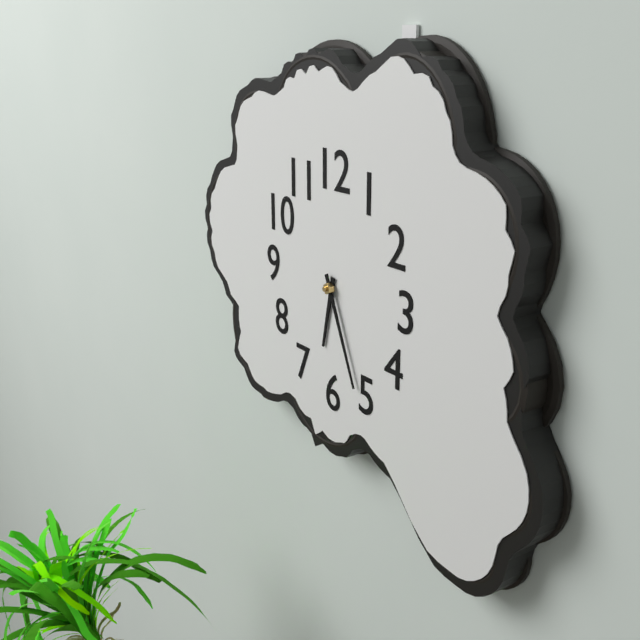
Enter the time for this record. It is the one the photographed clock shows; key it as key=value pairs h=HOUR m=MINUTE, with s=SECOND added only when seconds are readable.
h=6 m=26
